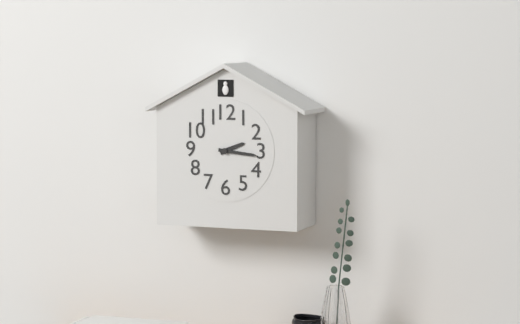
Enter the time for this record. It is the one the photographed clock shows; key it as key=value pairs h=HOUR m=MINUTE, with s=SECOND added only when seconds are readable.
h=2 m=16
